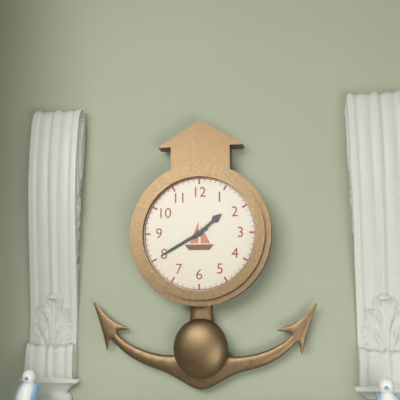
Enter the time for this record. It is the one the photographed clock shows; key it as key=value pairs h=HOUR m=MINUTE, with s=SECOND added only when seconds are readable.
h=1 m=40
